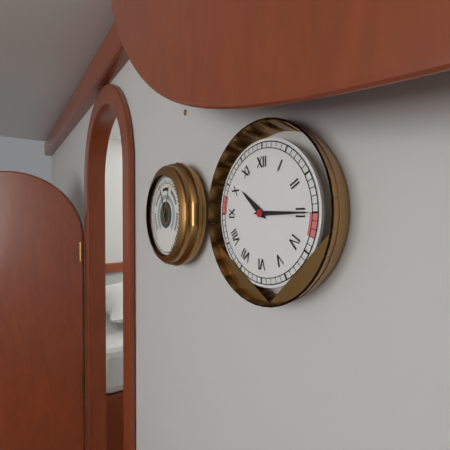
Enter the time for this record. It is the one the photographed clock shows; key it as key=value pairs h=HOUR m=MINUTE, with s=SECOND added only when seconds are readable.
h=10 m=15
